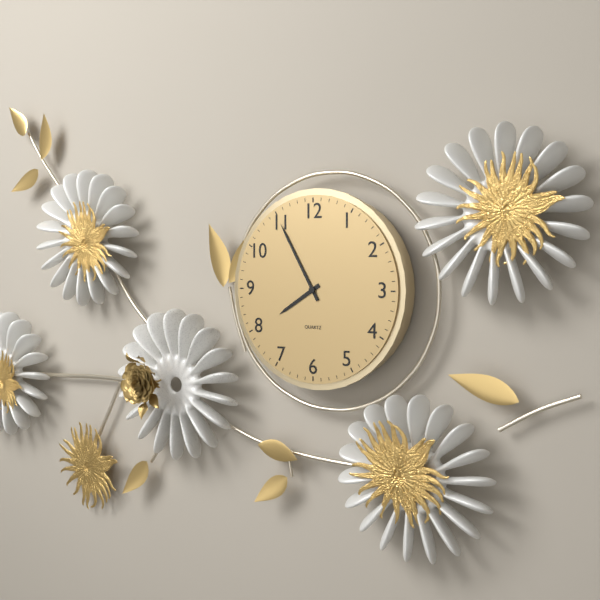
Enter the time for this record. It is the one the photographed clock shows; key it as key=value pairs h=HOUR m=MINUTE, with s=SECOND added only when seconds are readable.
h=7 m=55
